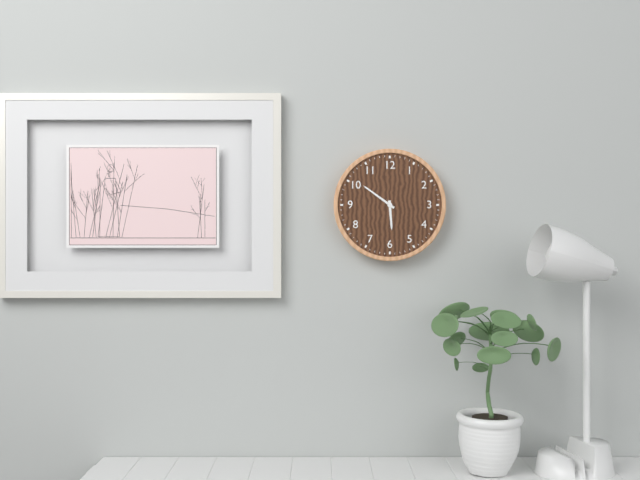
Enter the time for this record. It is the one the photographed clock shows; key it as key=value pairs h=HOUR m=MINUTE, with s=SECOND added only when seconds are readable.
h=5 m=51
